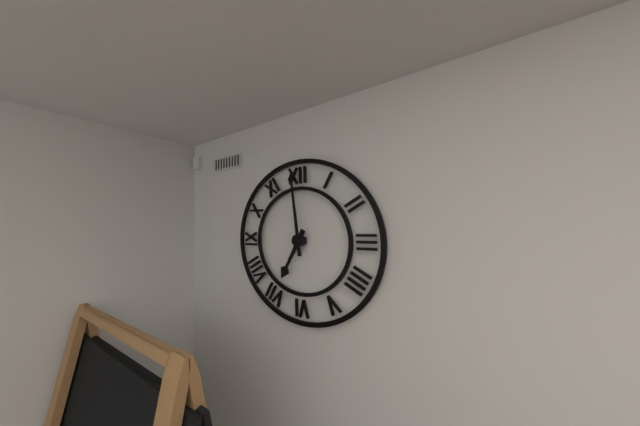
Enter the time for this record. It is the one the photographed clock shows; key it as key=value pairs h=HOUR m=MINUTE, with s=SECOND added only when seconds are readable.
h=6 m=59
